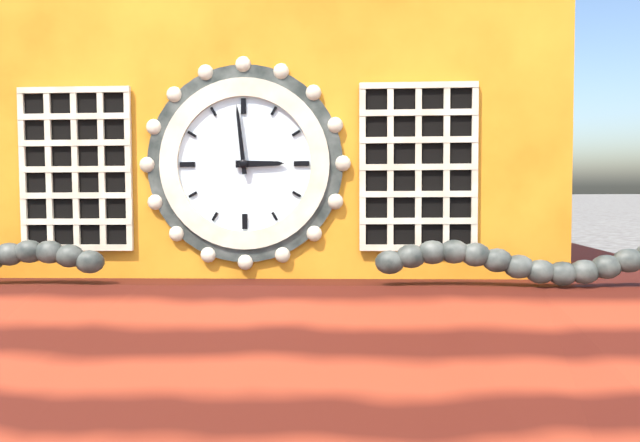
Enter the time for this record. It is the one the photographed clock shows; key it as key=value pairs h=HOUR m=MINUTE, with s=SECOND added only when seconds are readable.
h=2 m=59
